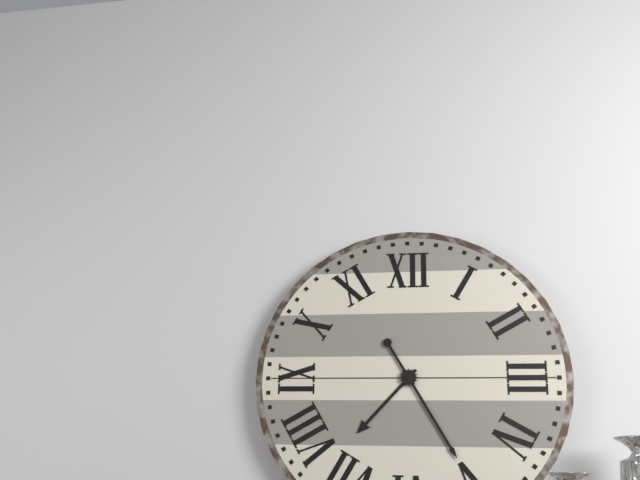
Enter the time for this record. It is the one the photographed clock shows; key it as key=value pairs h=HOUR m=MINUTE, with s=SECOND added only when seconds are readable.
h=7 m=25
